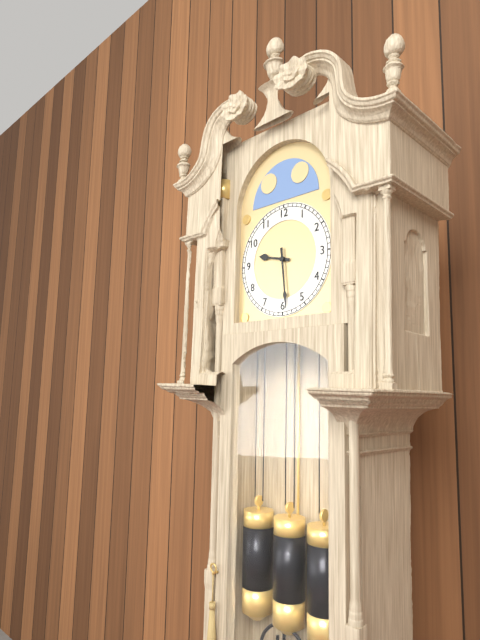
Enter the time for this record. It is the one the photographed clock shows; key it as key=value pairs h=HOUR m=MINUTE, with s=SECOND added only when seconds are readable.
h=9 m=29
